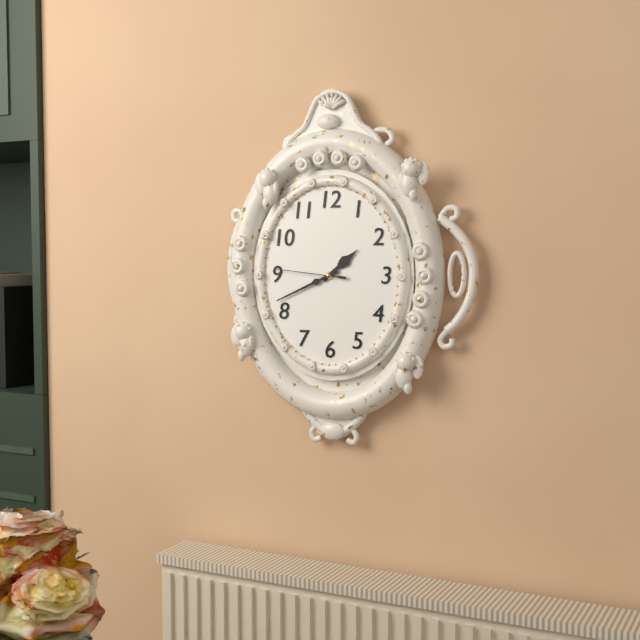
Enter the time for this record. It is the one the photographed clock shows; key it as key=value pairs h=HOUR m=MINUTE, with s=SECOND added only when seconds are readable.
h=1 m=41 s=46
